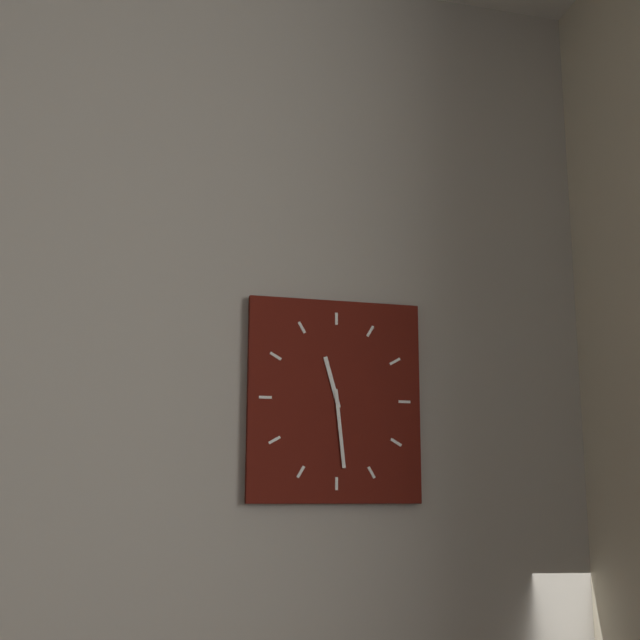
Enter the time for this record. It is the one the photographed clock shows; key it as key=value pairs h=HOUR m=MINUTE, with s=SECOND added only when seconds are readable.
h=11 m=29
